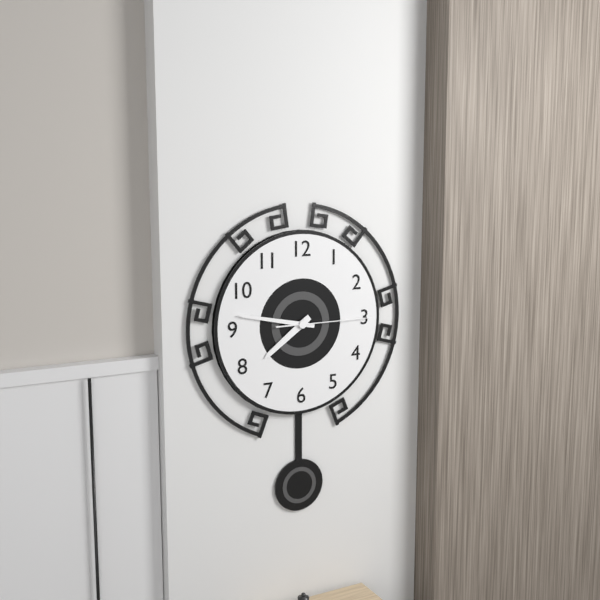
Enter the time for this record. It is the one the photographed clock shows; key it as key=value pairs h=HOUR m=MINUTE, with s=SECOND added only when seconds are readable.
h=7 m=47 s=15
